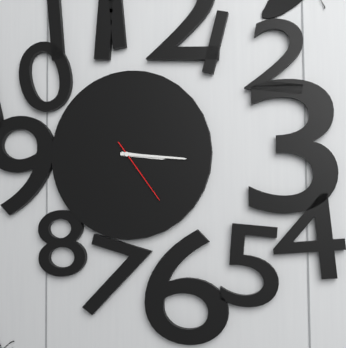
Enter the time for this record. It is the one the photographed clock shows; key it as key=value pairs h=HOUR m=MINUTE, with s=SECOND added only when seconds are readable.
h=3 m=16 s=24
